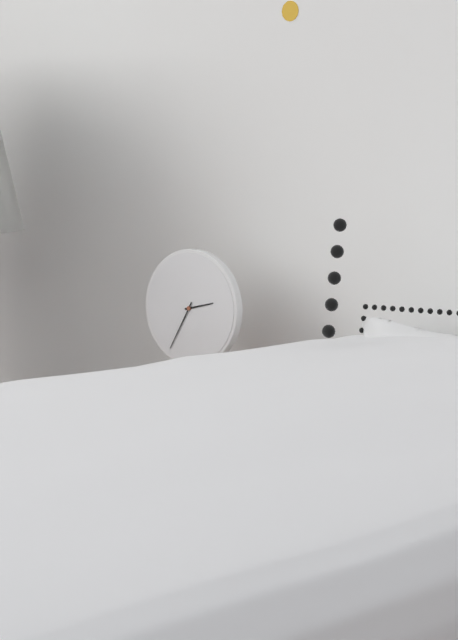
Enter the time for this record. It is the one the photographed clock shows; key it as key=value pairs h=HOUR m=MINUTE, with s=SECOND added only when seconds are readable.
h=2 m=35
